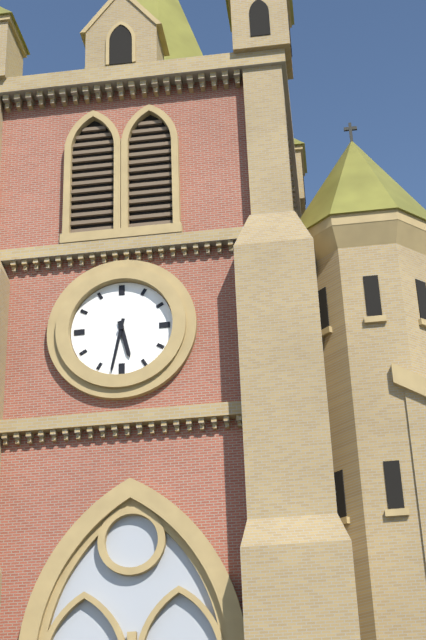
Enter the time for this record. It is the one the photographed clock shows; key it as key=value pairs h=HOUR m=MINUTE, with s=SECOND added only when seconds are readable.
h=5 m=32
